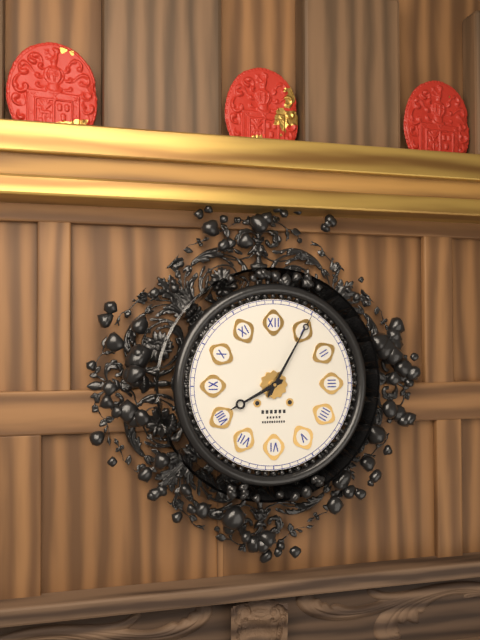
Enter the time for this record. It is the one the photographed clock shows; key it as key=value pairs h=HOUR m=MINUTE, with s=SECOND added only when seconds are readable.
h=8 m=5
